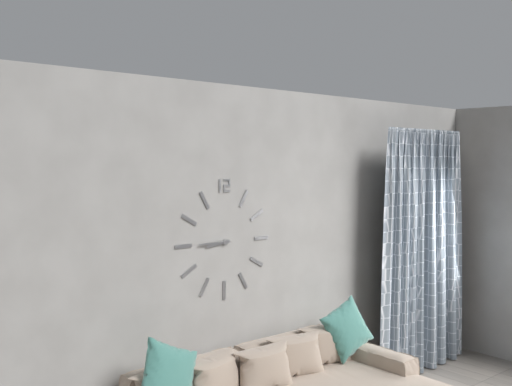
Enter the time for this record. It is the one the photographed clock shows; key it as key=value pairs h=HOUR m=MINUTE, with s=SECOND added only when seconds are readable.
h=8 m=45
